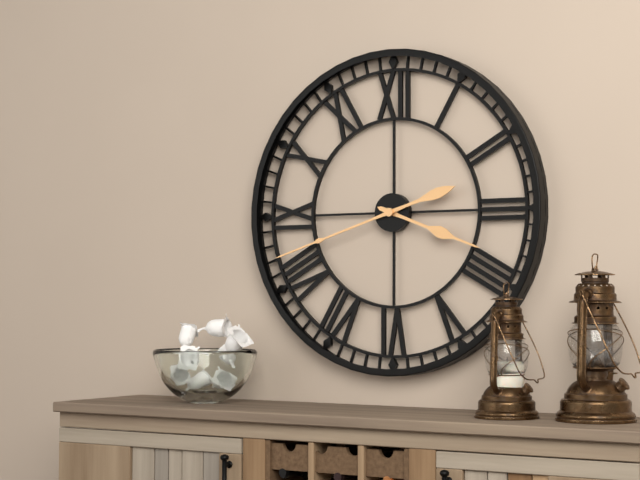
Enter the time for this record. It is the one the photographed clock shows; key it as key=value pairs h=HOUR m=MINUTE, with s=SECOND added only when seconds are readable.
h=3 m=42
